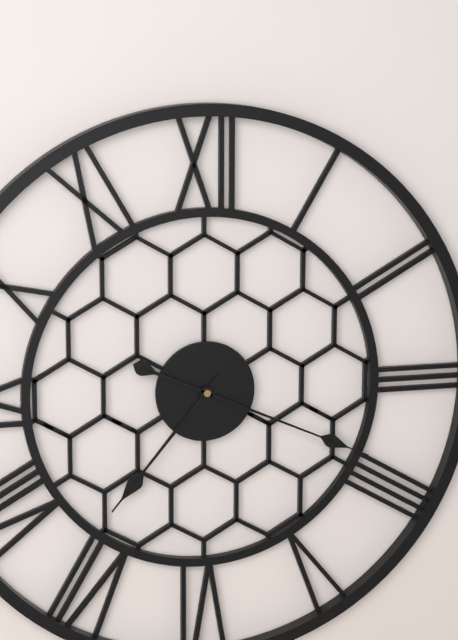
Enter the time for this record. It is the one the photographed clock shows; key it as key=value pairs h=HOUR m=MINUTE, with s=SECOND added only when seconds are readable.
h=7 m=19
